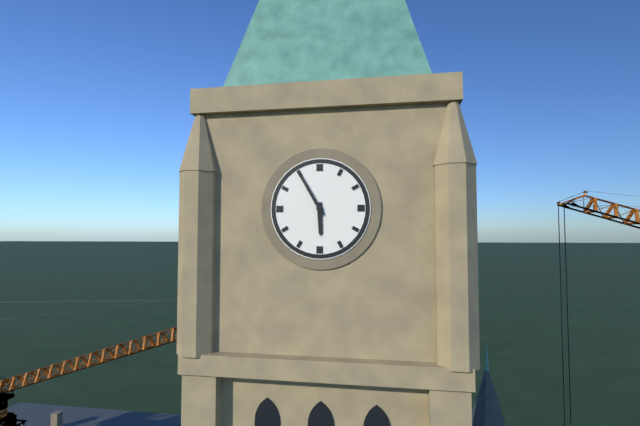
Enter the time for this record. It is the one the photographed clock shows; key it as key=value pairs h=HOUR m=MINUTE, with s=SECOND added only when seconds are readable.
h=5 m=55
